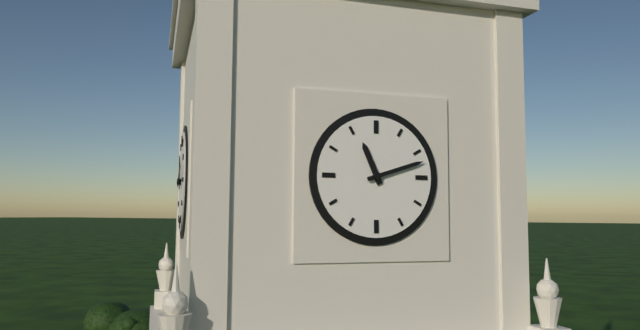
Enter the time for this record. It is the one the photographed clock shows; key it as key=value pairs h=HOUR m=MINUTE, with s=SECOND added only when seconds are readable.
h=11 m=12
